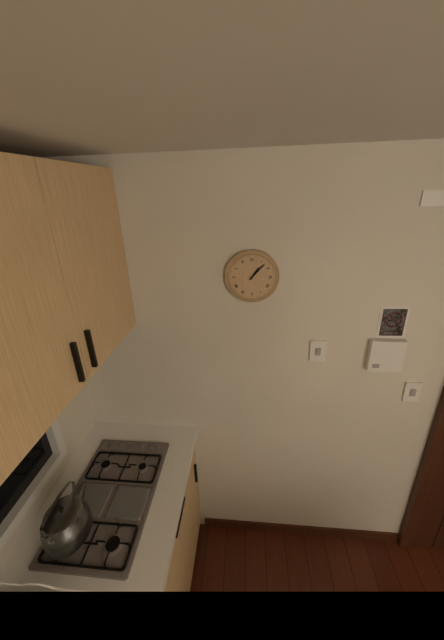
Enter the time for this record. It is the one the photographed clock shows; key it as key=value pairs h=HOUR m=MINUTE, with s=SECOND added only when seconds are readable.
h=1 m=7
